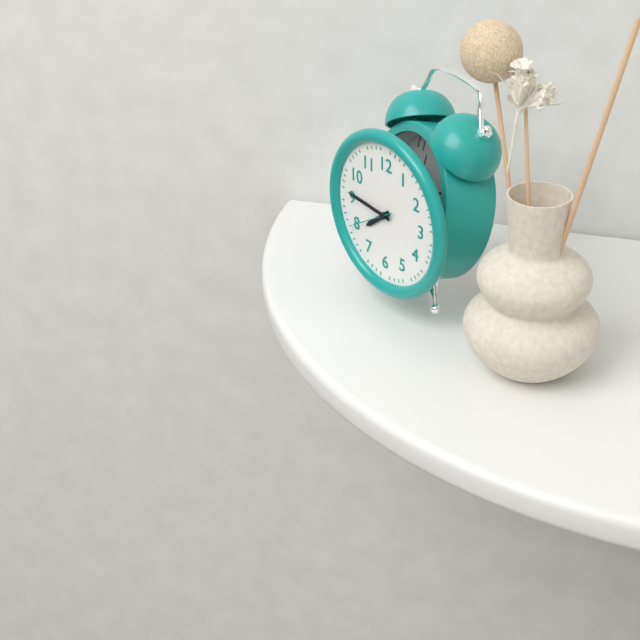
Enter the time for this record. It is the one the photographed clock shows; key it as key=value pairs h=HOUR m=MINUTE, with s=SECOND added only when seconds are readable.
h=7 m=46
